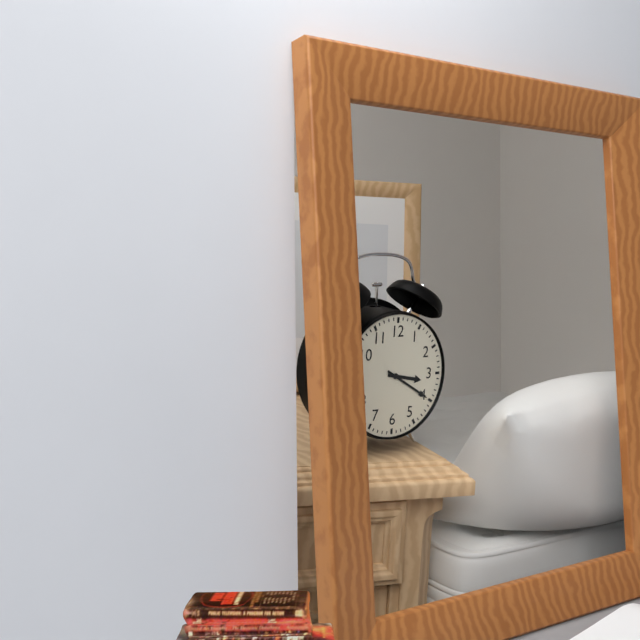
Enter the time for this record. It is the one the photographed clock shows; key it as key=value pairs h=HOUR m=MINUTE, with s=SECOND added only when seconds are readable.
h=3 m=20
